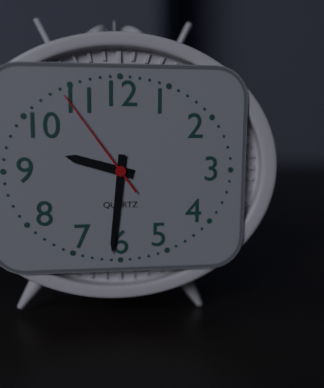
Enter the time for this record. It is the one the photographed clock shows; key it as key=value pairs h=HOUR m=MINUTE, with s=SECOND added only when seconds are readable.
h=9 m=31 s=54
